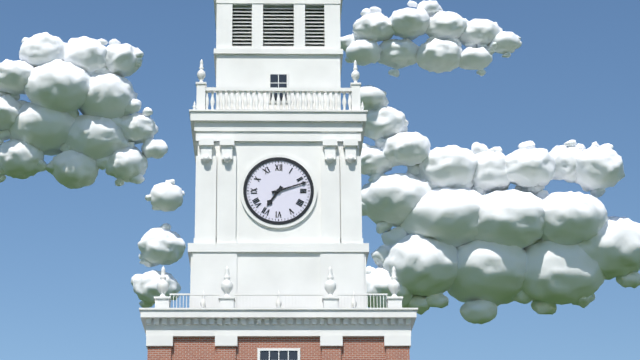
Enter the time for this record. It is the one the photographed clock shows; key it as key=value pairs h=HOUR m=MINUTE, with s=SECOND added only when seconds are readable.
h=7 m=12
